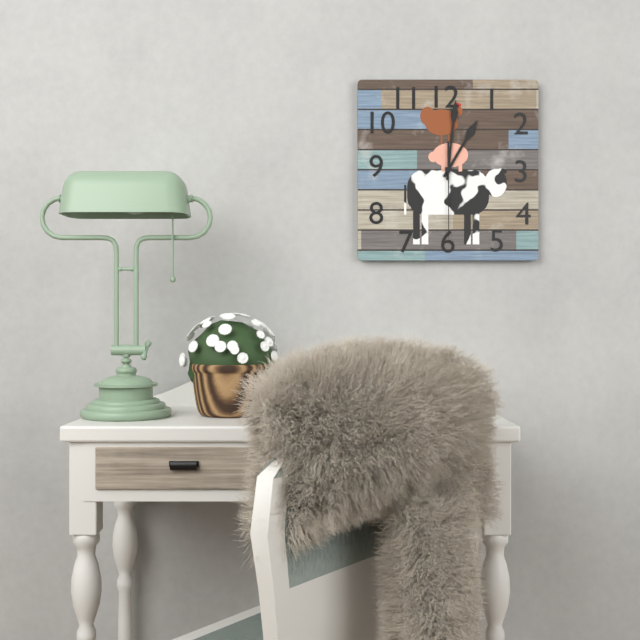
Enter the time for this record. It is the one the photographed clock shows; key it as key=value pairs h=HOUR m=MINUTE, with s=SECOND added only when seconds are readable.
h=1 m=1 s=30
